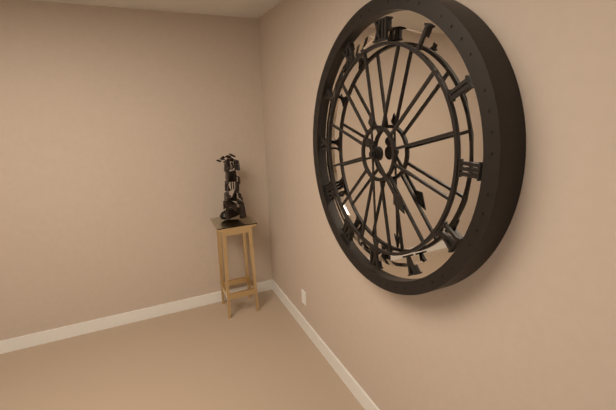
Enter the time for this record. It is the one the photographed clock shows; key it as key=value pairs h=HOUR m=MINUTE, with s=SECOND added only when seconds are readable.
h=4 m=29
